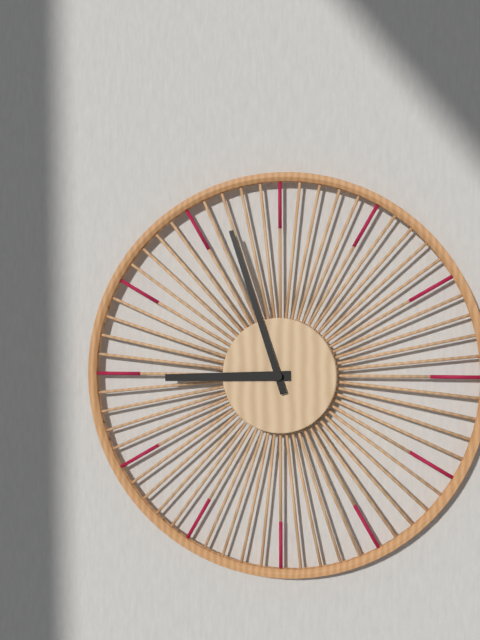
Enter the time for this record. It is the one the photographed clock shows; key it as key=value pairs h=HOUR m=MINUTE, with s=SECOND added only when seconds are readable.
h=8 m=57
